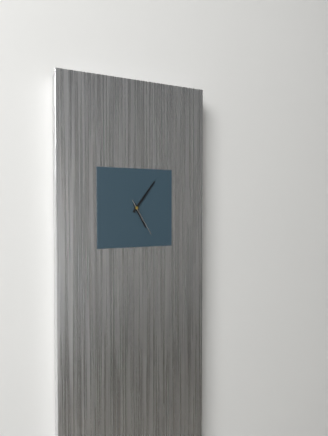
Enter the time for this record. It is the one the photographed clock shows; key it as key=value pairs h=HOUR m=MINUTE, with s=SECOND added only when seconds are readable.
h=5 m=6
